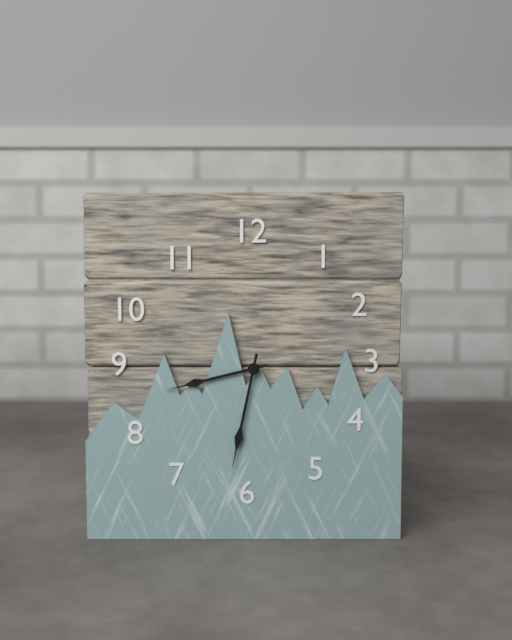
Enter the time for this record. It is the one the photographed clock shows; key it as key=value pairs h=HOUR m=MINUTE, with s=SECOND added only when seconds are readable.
h=8 m=32
